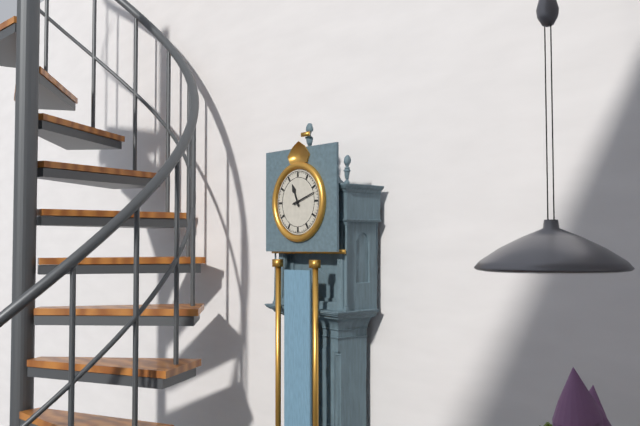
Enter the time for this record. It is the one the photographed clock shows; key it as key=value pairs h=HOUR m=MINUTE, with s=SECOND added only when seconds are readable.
h=11 m=12
